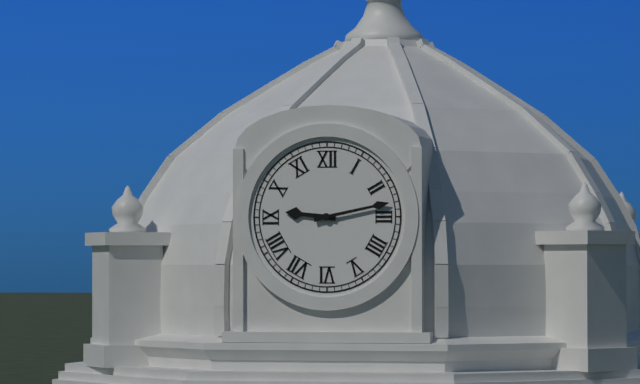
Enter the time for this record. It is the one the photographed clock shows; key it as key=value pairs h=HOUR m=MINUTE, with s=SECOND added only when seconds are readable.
h=9 m=13
